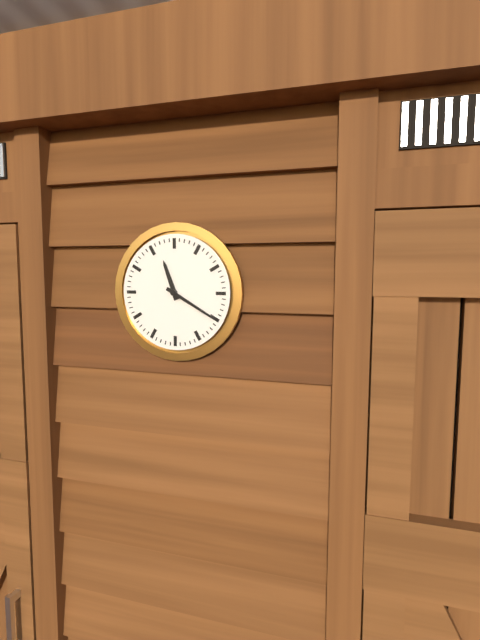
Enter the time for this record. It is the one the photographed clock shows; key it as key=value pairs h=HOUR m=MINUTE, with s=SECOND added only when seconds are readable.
h=11 m=20
